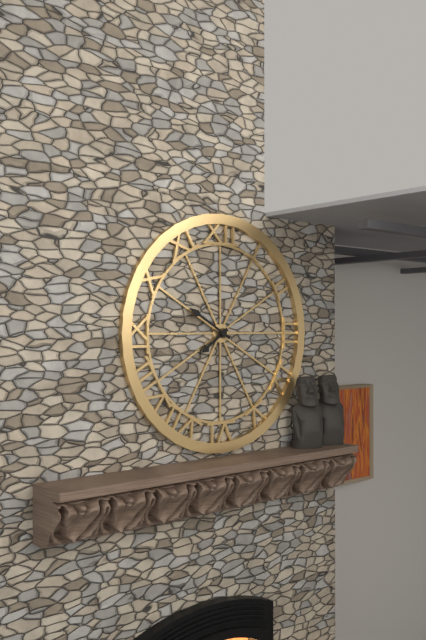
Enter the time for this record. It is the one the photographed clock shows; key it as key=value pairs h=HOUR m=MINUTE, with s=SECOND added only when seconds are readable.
h=7 m=50
